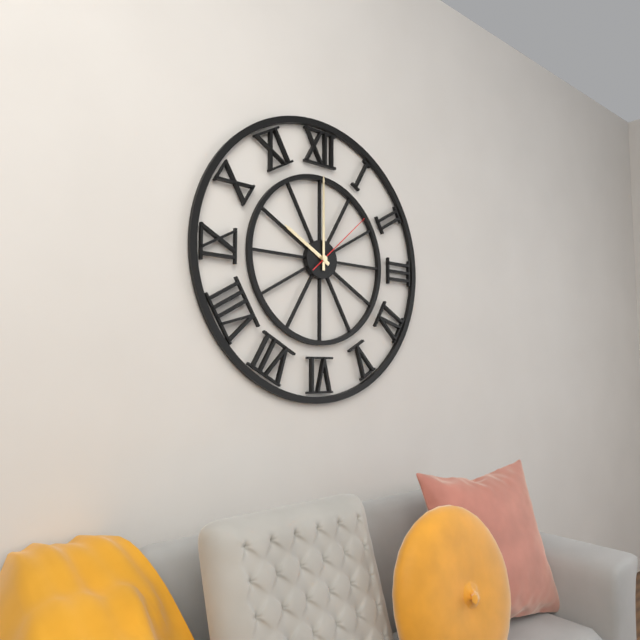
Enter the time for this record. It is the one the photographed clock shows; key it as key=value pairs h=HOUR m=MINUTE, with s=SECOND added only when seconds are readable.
h=10 m=0 s=8
